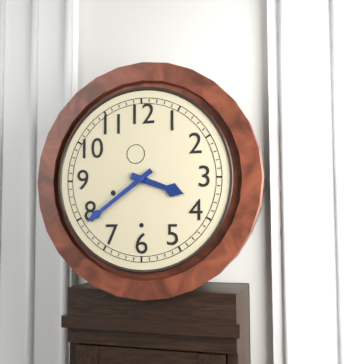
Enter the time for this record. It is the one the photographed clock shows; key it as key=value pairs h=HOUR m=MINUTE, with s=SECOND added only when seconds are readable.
h=3 m=39
